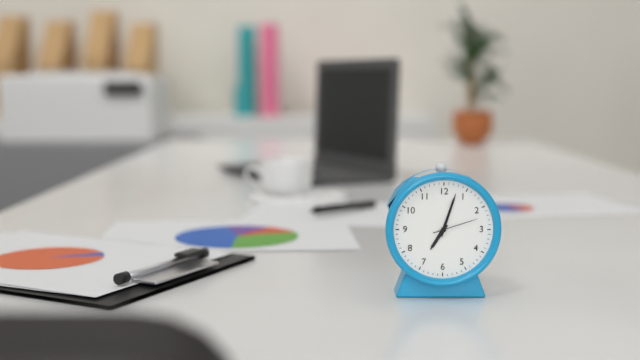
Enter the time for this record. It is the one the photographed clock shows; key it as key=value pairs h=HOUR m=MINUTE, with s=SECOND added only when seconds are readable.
h=7 m=3
